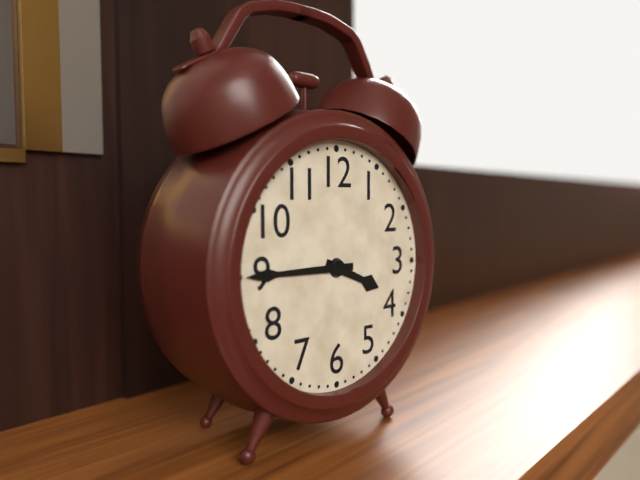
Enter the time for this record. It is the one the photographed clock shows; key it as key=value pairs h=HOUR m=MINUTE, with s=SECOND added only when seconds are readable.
h=3 m=45
